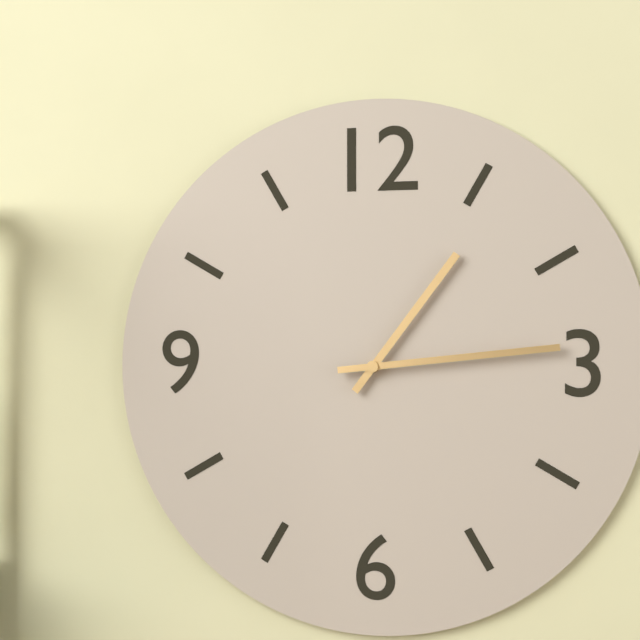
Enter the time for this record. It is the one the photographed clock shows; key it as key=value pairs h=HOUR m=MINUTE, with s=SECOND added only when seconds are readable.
h=1 m=14
